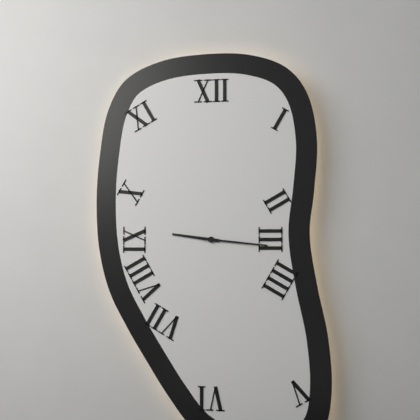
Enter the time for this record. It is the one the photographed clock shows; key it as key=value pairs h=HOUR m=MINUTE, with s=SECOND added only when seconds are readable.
h=9 m=16
